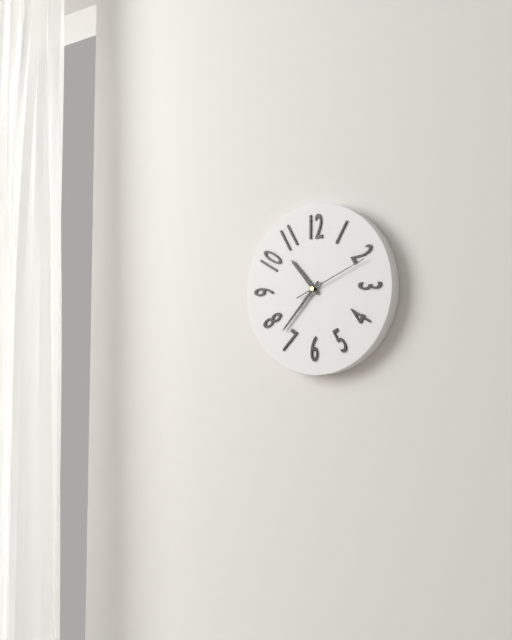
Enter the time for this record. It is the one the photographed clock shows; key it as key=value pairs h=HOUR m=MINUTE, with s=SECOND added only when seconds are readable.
h=10 m=37 s=11
